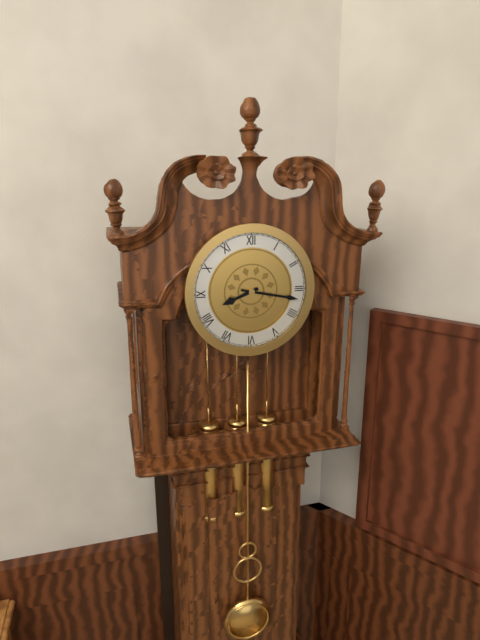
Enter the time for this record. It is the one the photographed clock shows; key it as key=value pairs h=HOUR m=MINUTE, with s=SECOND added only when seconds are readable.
h=8 m=17
